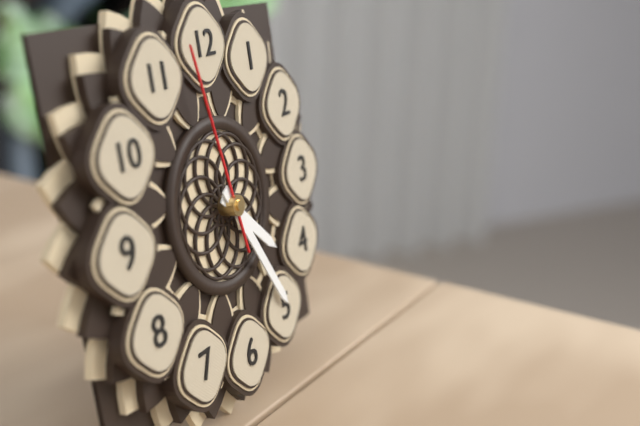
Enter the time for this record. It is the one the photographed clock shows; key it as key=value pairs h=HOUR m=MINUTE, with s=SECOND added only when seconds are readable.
h=4 m=25 s=58
